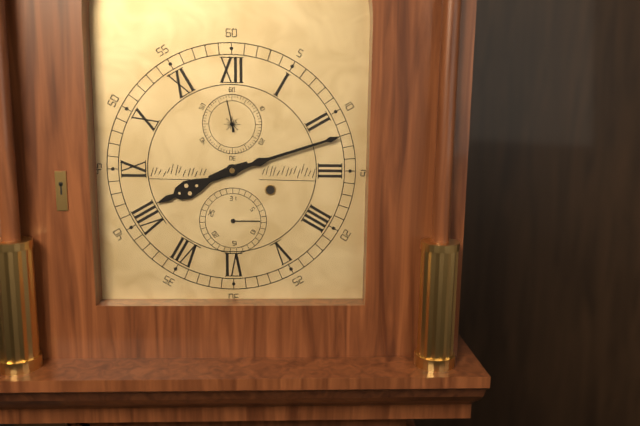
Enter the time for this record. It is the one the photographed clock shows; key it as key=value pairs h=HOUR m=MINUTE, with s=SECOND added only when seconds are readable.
h=8 m=12
